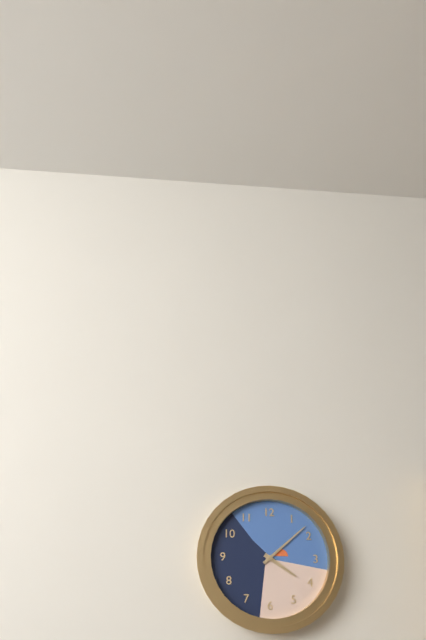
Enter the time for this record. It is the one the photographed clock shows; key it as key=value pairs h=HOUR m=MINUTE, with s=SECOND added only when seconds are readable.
h=4 m=8
